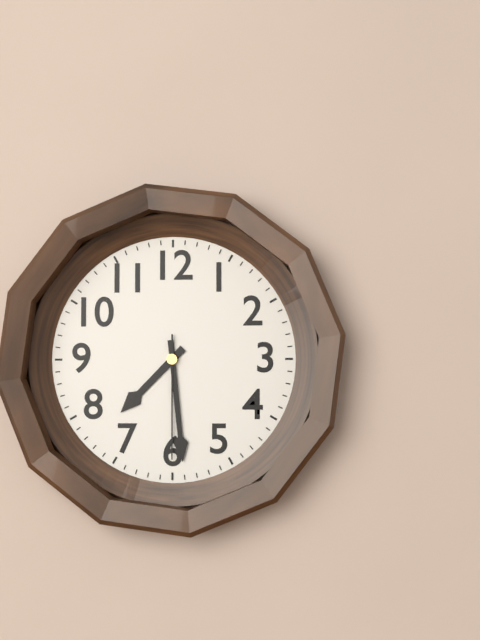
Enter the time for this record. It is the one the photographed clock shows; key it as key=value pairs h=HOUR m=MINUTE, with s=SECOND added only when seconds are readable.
h=7 m=29 s=30
